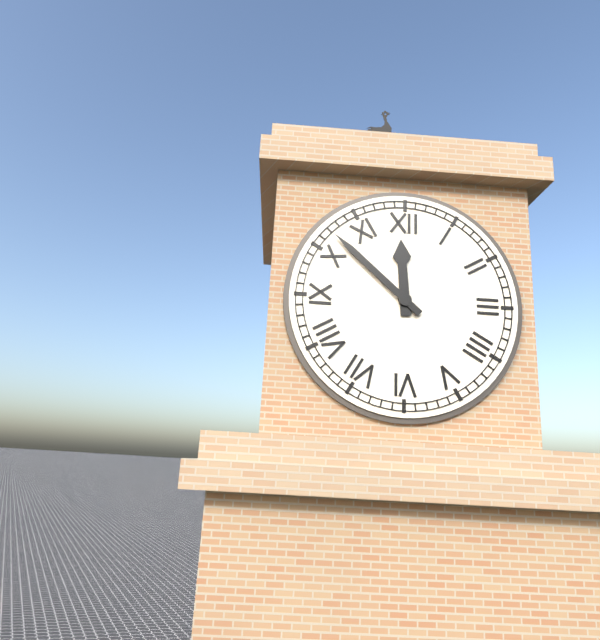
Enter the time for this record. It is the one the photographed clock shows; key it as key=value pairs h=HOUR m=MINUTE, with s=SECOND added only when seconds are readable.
h=11 m=52
